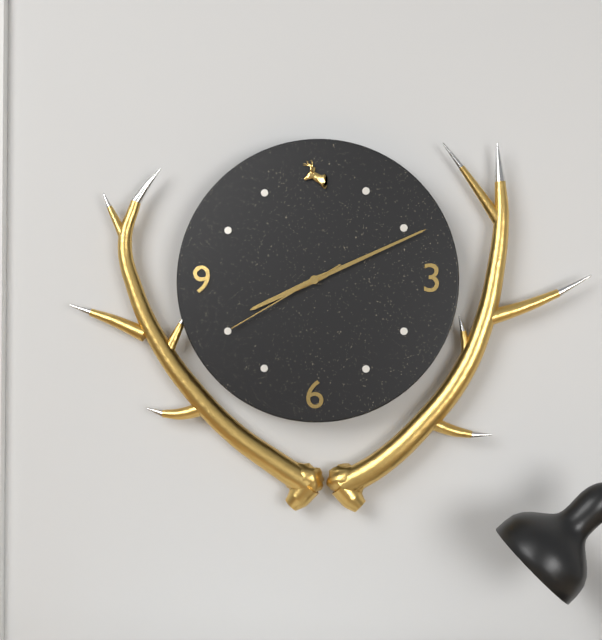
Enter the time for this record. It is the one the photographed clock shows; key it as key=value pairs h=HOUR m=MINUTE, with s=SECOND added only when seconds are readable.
h=8 m=11 s=40
